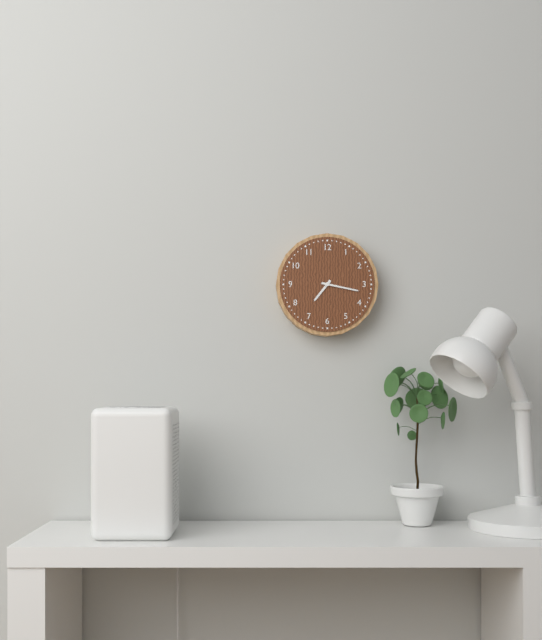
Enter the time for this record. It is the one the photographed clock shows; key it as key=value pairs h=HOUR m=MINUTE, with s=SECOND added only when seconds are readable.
h=7 m=17
